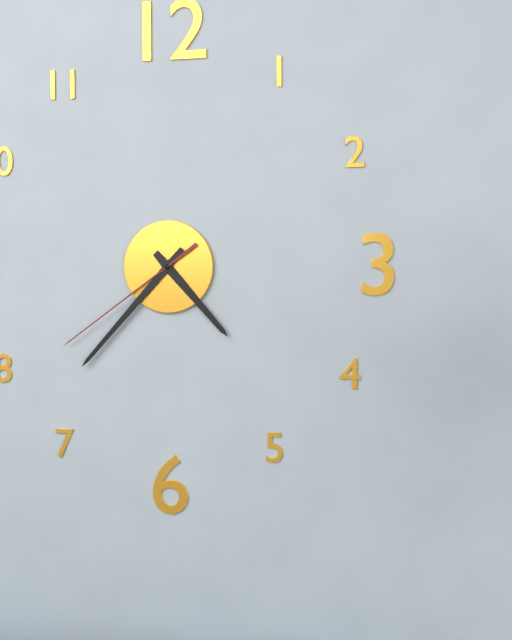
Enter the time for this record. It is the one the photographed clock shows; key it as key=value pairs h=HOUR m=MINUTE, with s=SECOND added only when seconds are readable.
h=4 m=37 s=39
